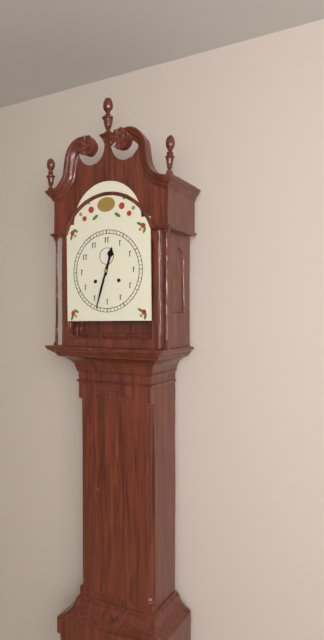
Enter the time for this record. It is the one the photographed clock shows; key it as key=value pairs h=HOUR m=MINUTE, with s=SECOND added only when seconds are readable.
h=12 m=33
